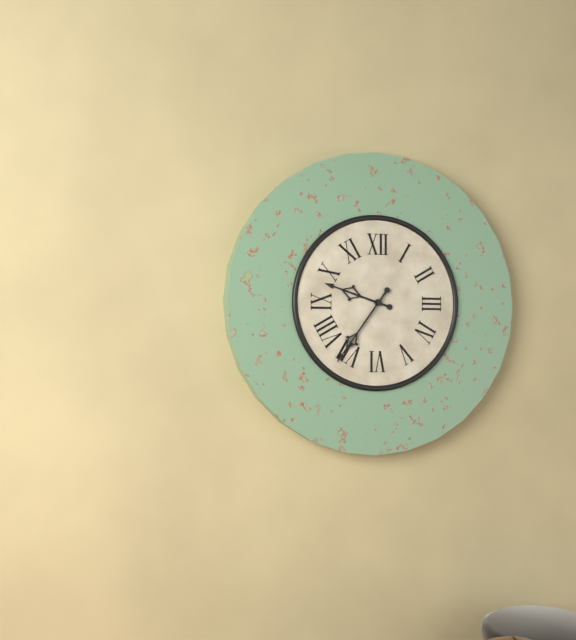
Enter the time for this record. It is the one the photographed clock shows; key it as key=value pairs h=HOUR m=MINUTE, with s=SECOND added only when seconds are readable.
h=9 m=36
